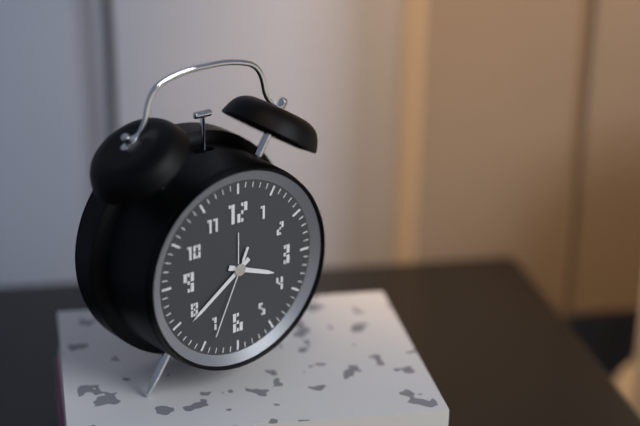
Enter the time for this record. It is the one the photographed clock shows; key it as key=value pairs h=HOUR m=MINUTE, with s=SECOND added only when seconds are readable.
h=3 m=39 s=34
